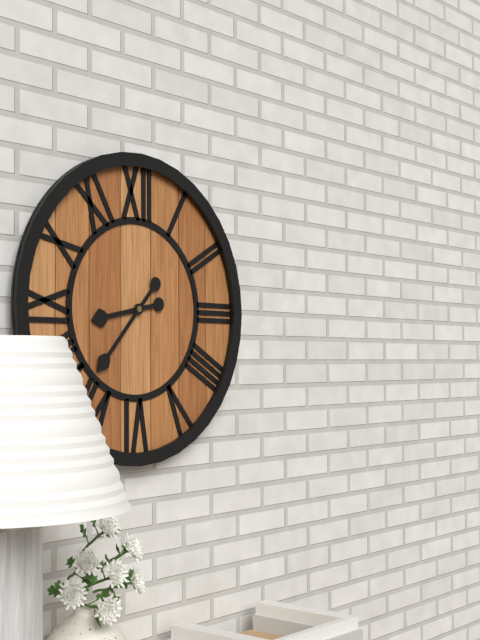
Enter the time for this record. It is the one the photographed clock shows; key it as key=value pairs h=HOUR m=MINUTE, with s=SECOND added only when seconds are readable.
h=8 m=37
